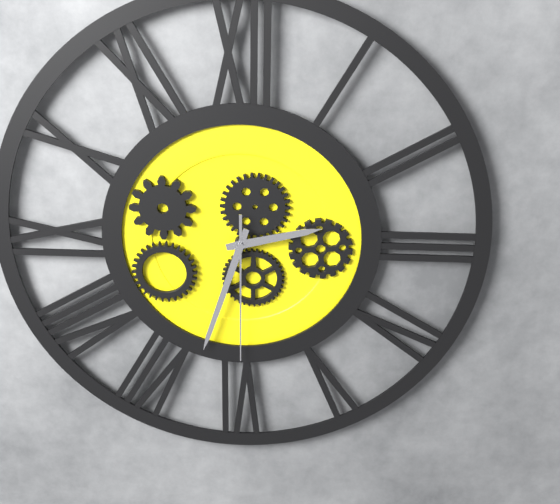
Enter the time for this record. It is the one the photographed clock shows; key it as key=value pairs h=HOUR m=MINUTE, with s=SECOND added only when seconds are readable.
h=2 m=33 s=30
